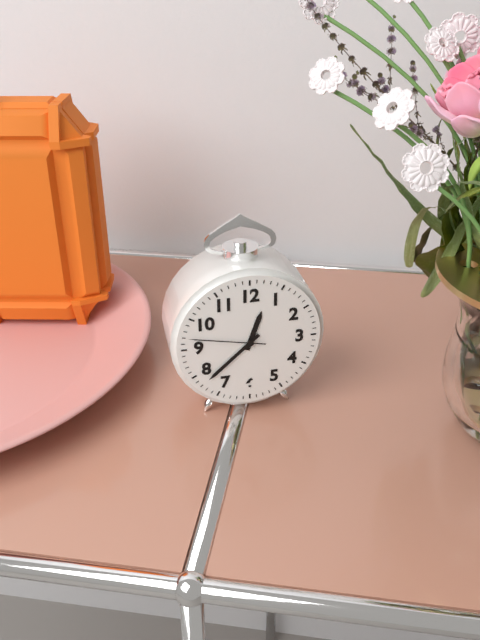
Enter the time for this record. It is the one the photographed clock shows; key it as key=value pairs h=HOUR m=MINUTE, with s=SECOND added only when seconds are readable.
h=12 m=38 s=47
